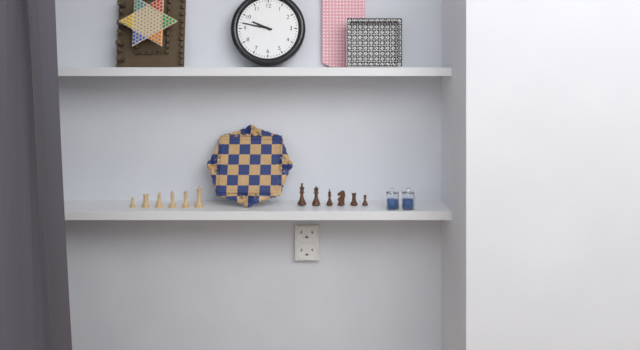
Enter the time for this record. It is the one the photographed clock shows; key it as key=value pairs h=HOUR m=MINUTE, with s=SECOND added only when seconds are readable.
h=9 m=47
